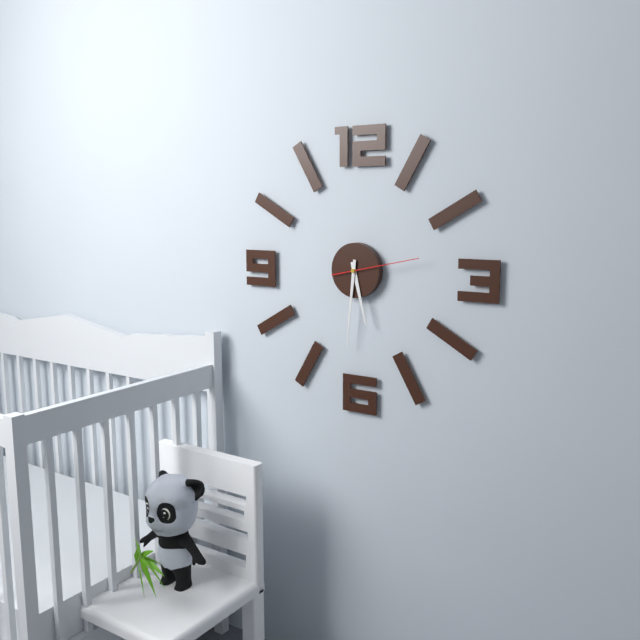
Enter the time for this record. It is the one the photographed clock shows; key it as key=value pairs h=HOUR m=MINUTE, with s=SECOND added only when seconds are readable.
h=5 m=31 s=13
